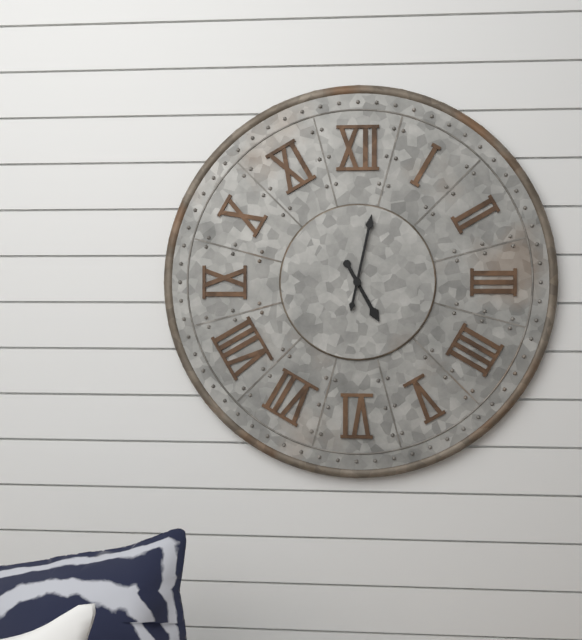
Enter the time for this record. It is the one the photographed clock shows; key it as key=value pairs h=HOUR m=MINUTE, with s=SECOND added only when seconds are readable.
h=5 m=2
